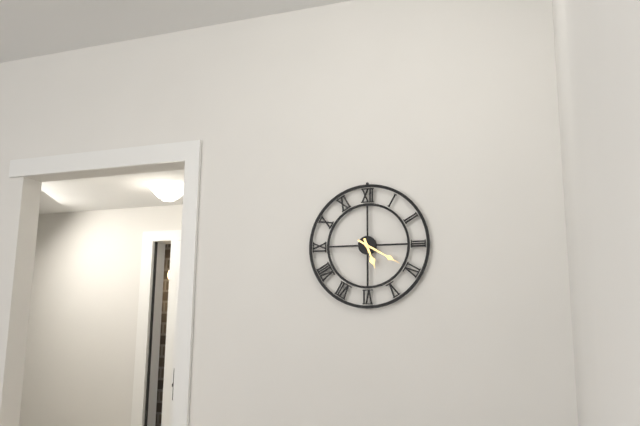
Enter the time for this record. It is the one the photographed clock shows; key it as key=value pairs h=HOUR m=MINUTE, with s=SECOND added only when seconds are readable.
h=5 m=20
